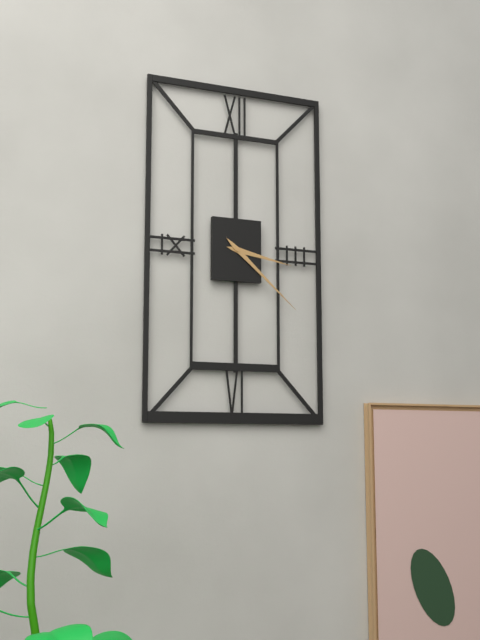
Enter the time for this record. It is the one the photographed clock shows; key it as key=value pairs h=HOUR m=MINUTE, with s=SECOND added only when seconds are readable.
h=3 m=22
